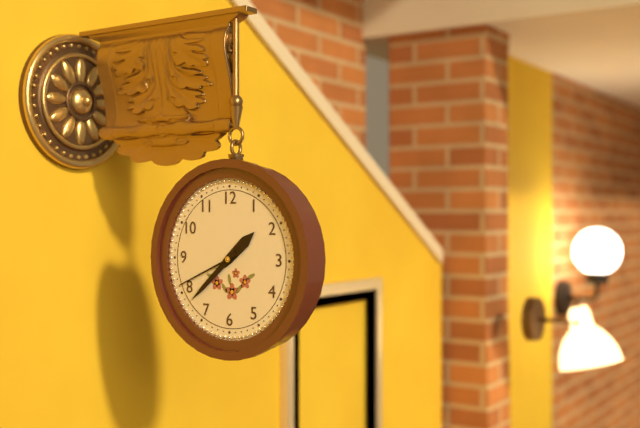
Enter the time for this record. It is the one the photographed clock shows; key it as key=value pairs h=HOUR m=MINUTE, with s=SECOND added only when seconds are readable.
h=1 m=38 s=41
